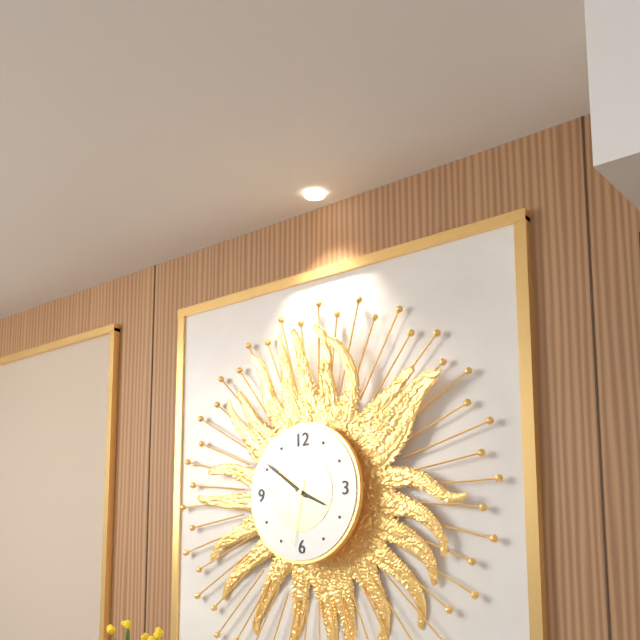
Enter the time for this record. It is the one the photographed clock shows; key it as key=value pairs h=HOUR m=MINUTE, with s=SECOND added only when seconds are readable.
h=3 m=51 s=32
